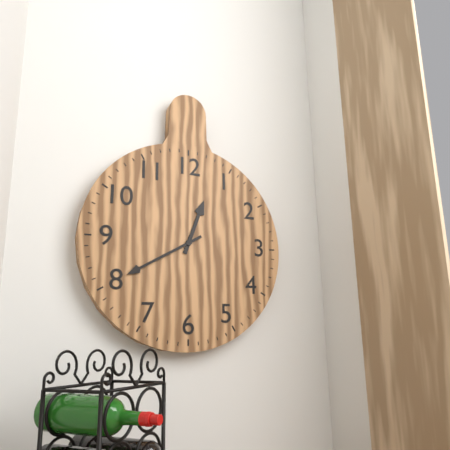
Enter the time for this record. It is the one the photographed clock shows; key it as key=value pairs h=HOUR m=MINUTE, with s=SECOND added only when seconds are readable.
h=12 m=40
